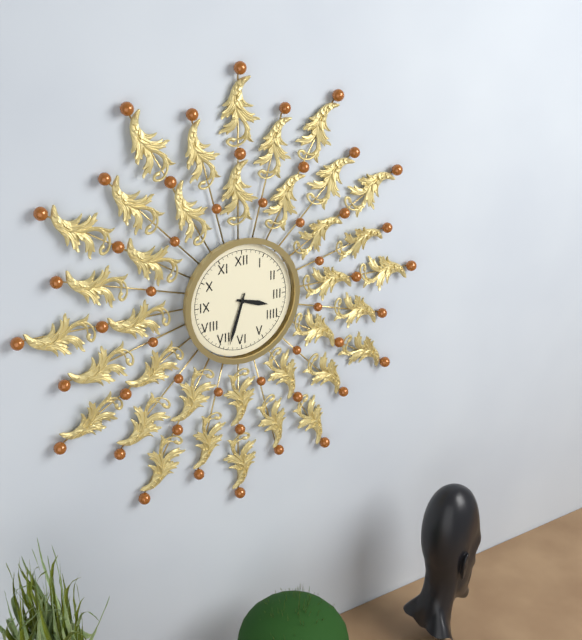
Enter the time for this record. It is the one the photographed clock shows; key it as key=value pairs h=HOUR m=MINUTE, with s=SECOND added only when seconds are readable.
h=3 m=33
